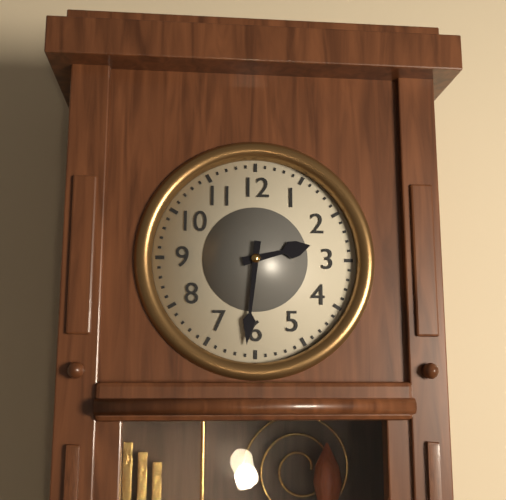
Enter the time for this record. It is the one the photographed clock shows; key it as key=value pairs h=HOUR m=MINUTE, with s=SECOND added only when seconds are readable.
h=2 m=31
